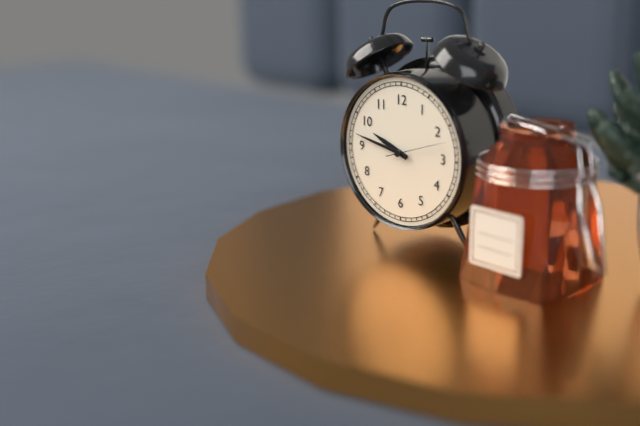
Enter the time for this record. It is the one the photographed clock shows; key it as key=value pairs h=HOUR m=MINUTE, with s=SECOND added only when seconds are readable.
h=9 m=47 s=12
